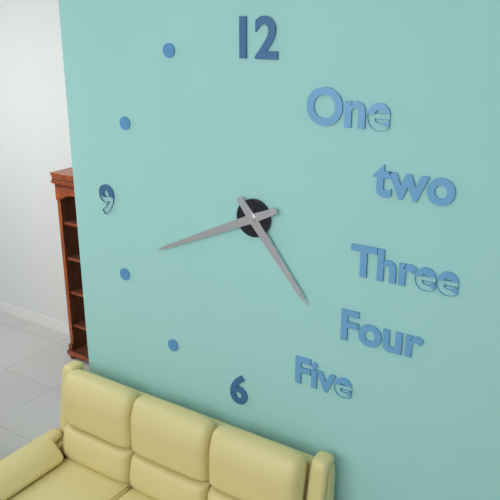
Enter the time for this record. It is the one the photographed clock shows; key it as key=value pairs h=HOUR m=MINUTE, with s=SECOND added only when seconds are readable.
h=4 m=41
